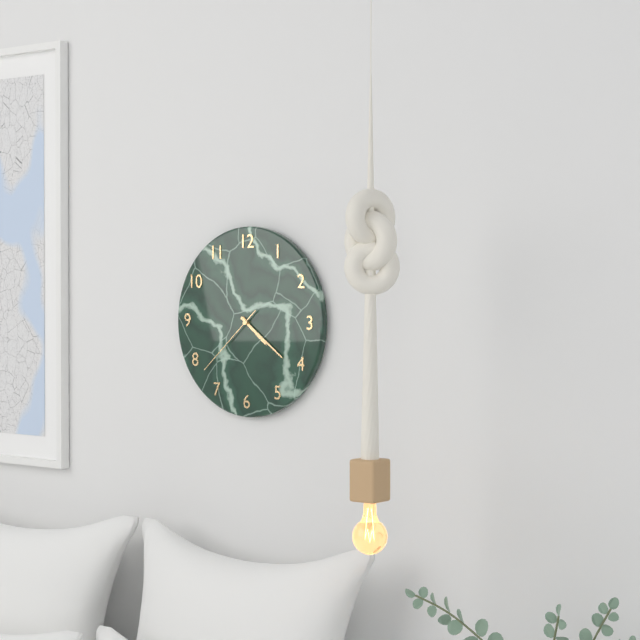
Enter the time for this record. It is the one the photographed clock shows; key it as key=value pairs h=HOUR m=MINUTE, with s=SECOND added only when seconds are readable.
h=4 m=21 s=38
